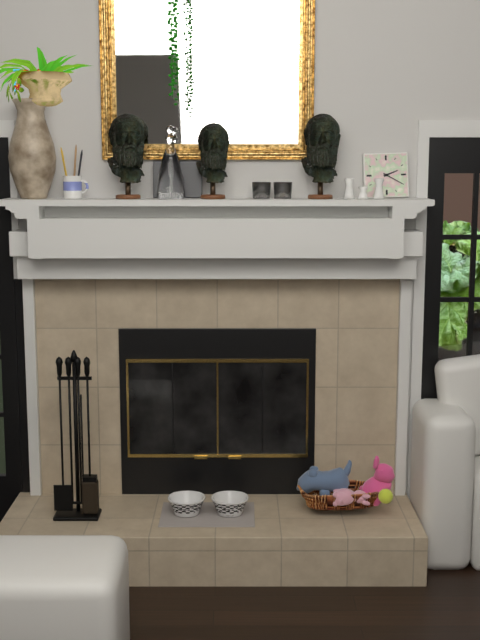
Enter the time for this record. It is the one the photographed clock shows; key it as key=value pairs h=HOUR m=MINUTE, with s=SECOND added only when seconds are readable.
h=2 m=20
